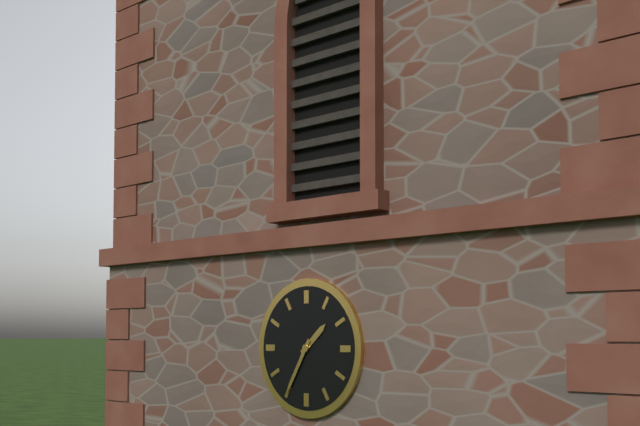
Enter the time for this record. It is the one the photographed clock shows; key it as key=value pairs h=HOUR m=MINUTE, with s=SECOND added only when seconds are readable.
h=1 m=35
